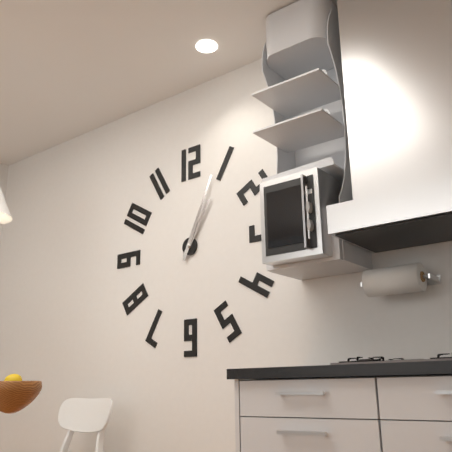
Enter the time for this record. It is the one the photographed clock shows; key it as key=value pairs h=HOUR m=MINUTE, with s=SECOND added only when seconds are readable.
h=1 m=4
